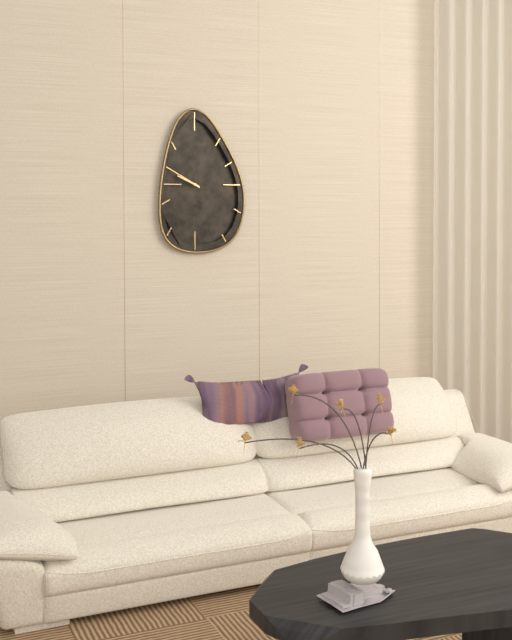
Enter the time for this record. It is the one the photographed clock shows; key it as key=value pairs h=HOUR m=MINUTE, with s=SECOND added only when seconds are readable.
h=9 m=50
